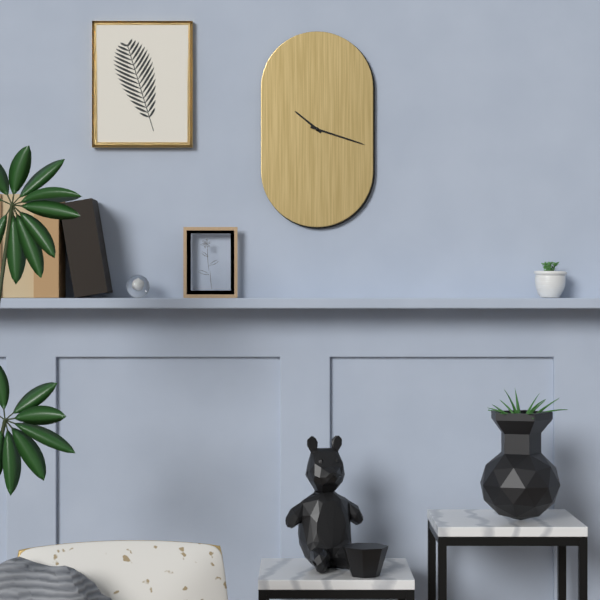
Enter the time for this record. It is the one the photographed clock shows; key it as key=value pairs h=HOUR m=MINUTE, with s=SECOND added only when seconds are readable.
h=10 m=18
